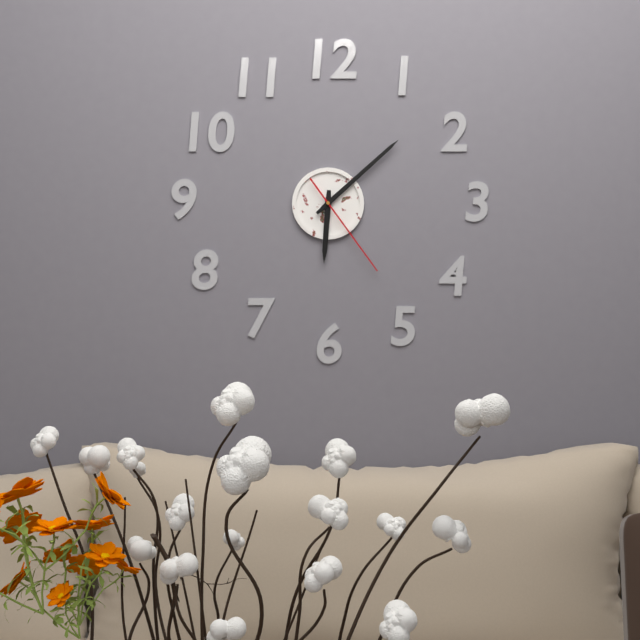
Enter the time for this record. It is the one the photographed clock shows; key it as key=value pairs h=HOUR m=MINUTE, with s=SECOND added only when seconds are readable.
h=6 m=8 s=24
